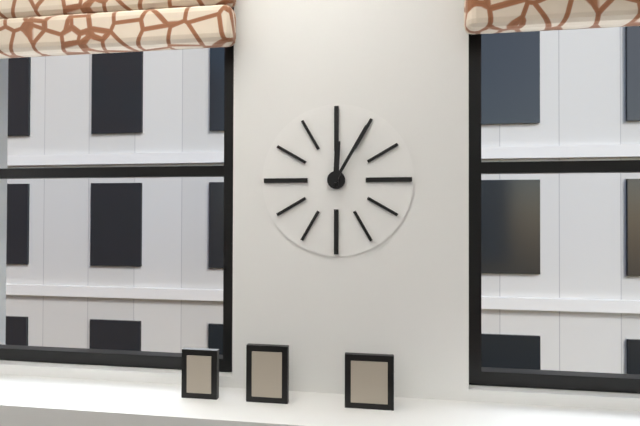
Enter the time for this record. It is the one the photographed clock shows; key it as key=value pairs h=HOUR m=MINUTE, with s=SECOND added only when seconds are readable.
h=12 m=5
